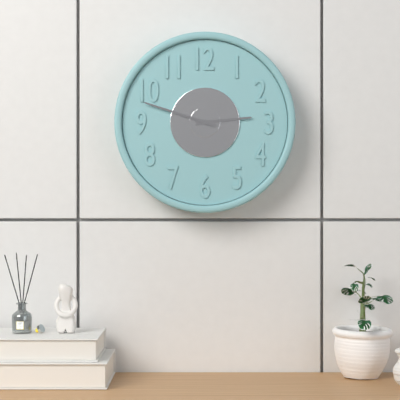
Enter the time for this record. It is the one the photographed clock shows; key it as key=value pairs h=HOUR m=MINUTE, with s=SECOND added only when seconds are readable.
h=2 m=48
